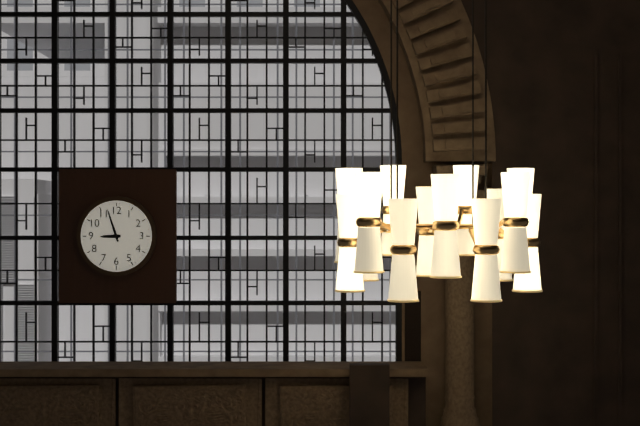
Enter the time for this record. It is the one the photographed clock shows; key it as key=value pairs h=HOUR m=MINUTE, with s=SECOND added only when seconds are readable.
h=8 m=57
